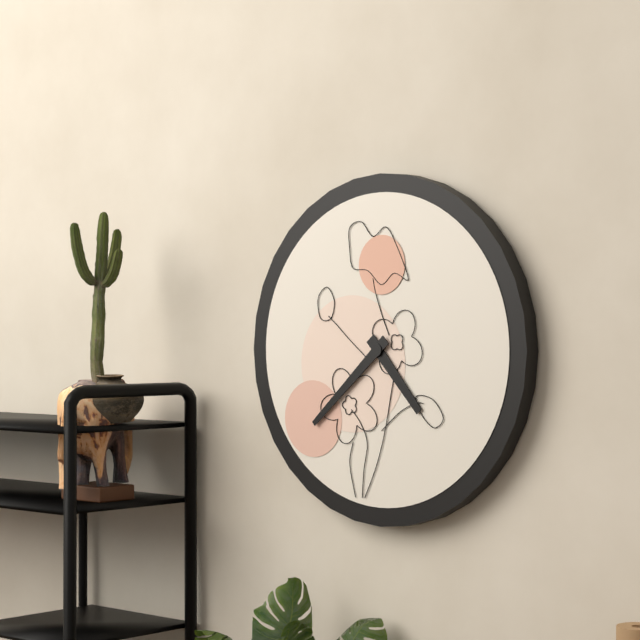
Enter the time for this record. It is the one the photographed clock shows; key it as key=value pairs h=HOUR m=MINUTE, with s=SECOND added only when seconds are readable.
h=4 m=38
